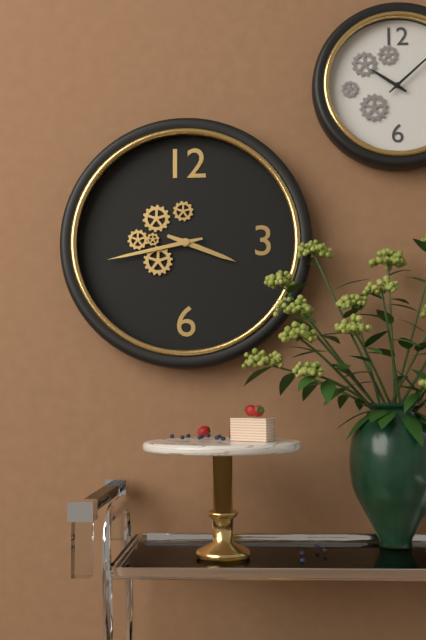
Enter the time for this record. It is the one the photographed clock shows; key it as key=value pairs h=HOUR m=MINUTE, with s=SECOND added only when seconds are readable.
h=3 m=43
